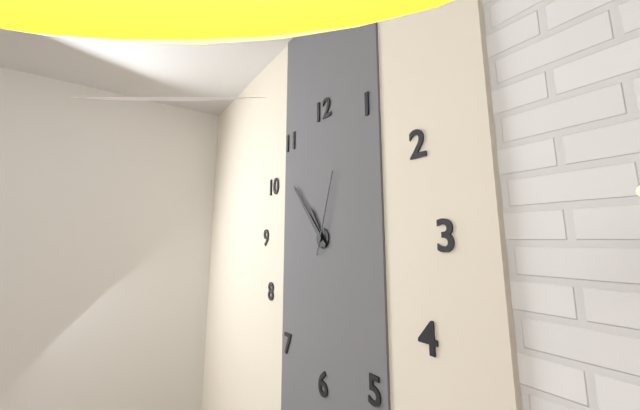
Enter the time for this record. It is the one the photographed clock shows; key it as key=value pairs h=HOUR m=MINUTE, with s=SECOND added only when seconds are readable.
h=10 m=53 s=3
